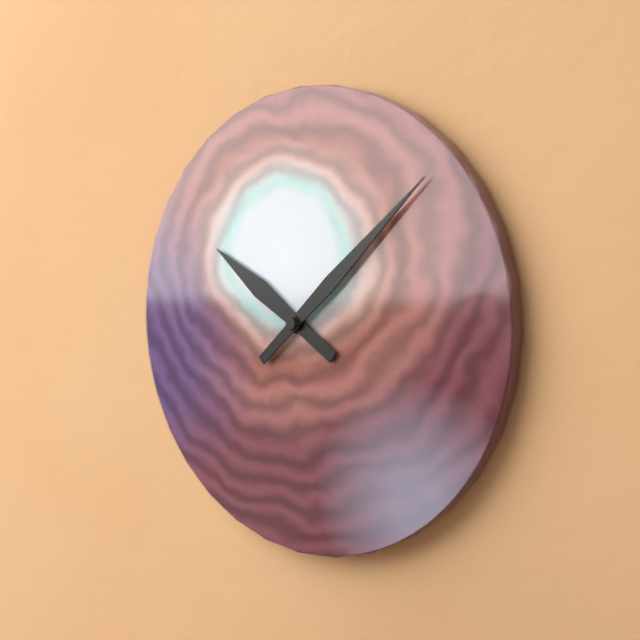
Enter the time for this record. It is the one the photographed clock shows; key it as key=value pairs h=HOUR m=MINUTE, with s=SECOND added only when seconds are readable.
h=10 m=8
